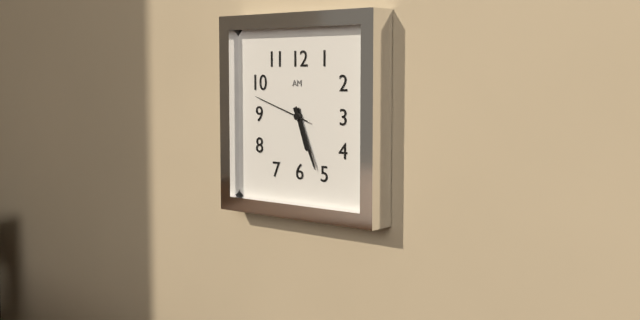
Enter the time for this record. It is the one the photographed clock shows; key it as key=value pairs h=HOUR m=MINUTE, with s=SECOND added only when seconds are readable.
h=5 m=26 s=48
